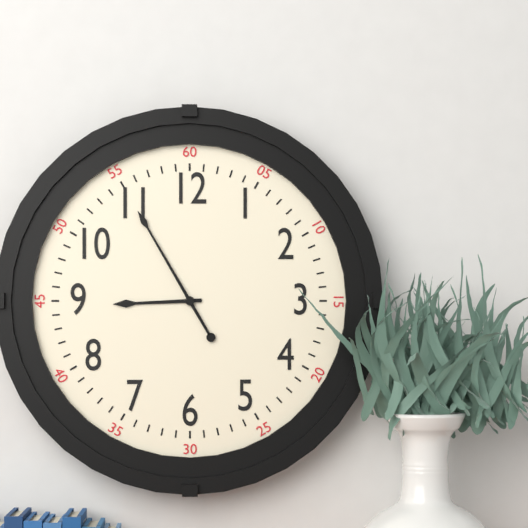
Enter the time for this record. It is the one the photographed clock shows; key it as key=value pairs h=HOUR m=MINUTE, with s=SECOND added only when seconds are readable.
h=8 m=55
